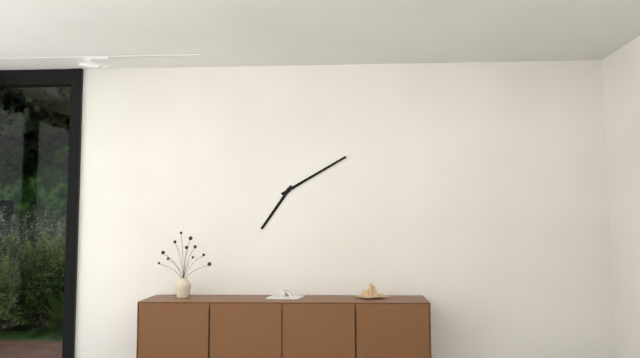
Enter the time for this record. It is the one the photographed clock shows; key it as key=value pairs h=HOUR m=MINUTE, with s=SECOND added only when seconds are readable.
h=7 m=10
